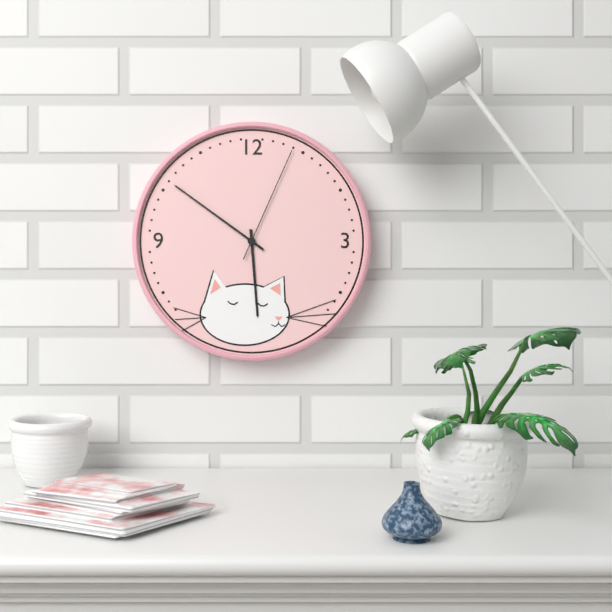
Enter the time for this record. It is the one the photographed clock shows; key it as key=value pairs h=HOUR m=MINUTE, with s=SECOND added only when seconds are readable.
h=5 m=51 s=4
